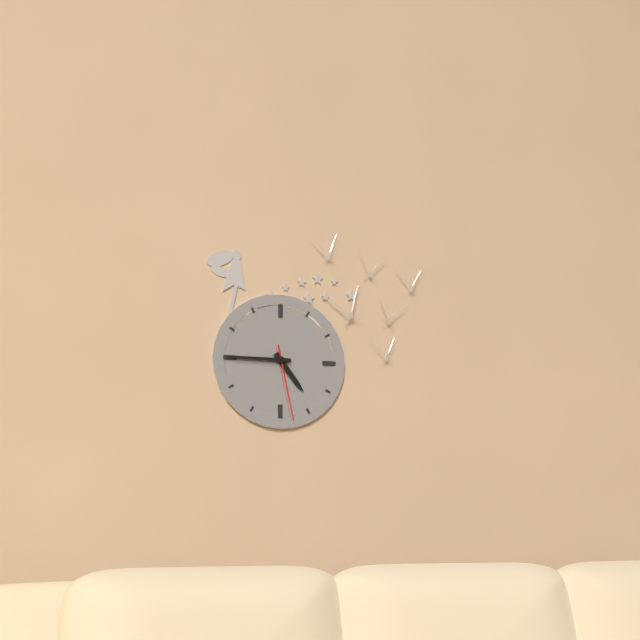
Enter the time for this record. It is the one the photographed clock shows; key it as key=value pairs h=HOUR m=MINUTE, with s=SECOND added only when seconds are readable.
h=4 m=45 s=28
